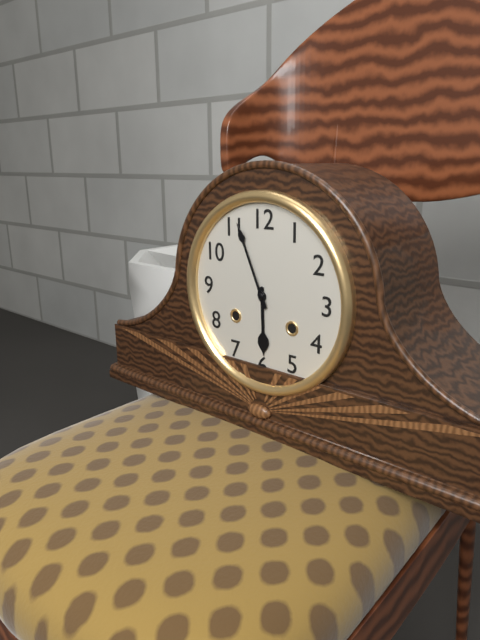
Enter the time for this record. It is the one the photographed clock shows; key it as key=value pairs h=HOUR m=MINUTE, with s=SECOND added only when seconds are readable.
h=5 m=56
